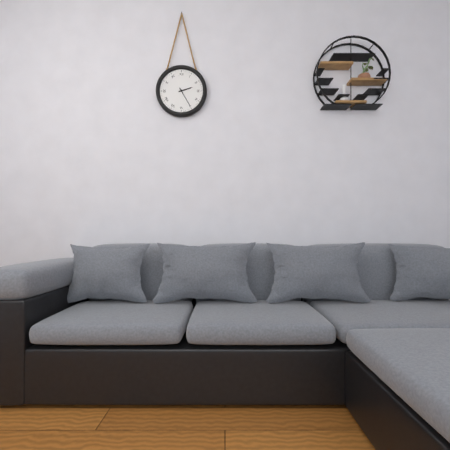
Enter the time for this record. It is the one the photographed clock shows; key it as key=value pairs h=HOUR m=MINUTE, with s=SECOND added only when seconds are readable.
h=2 m=25
